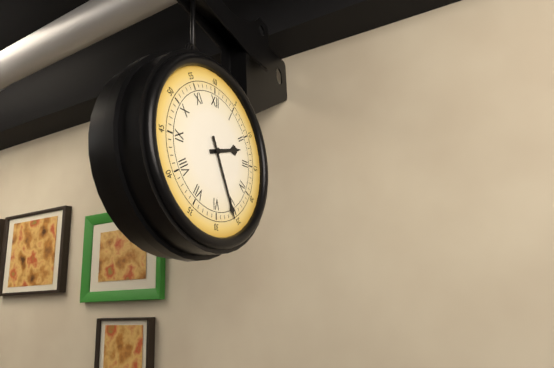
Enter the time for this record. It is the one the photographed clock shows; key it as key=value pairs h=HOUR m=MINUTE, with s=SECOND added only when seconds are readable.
h=2 m=26
